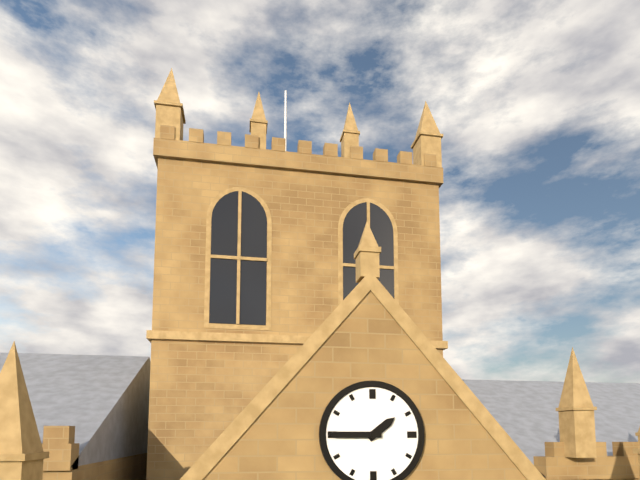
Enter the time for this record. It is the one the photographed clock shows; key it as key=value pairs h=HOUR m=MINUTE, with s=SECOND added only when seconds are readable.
h=1 m=45
